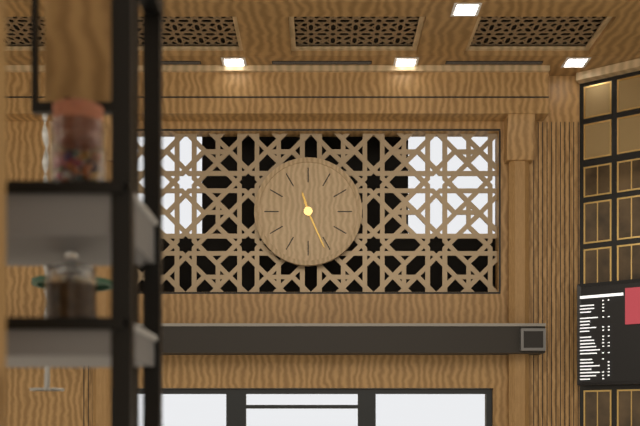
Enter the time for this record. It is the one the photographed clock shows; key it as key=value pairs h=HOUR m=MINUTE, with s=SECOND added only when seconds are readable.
h=11 m=26
